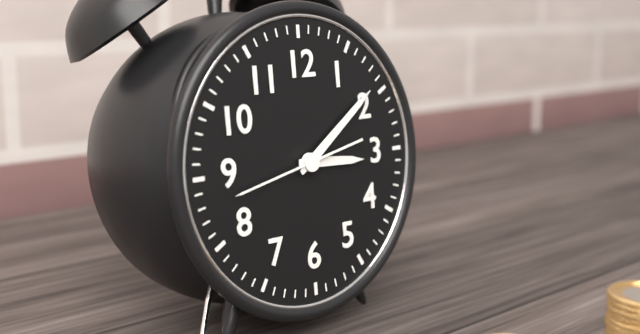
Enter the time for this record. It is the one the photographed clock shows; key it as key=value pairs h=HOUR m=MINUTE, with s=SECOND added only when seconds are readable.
h=3 m=9 s=43
